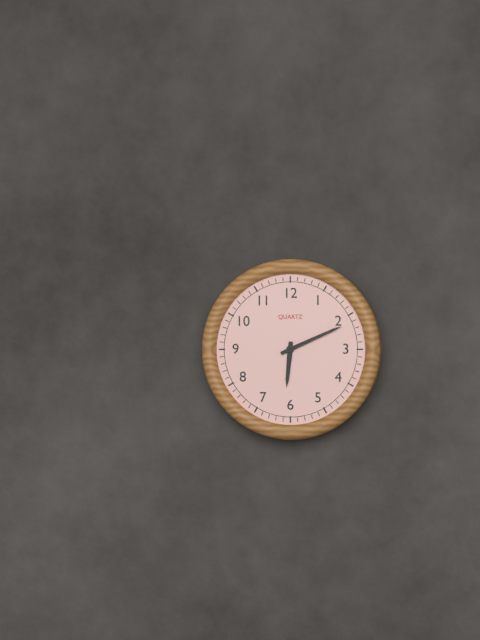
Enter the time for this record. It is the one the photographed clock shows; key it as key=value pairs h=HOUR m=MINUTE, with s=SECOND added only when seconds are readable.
h=6 m=11
